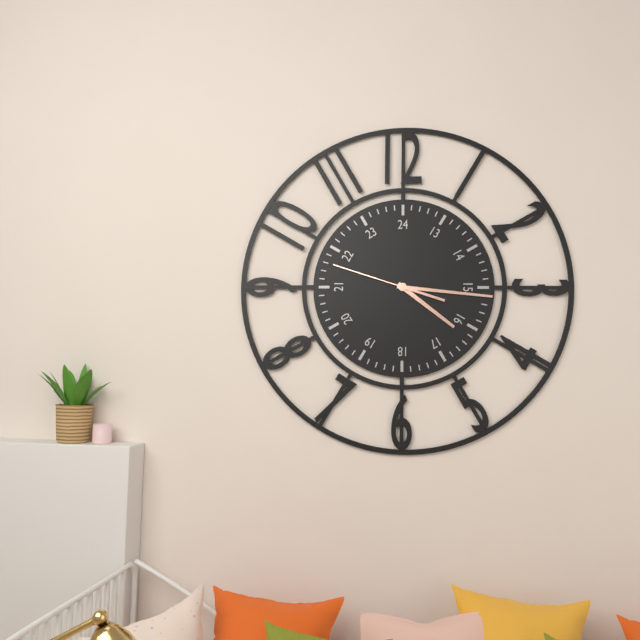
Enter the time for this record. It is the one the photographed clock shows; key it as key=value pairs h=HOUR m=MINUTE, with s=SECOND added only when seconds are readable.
h=4 m=16 s=48
